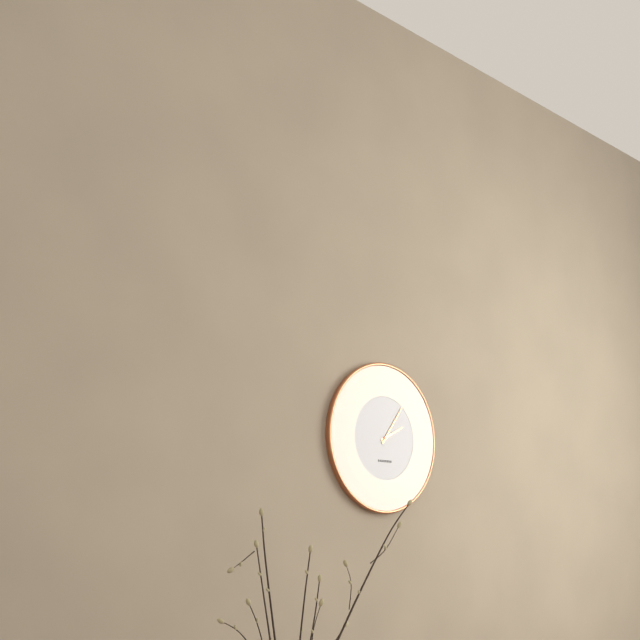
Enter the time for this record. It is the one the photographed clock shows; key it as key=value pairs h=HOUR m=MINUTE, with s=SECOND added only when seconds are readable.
h=2 m=6
